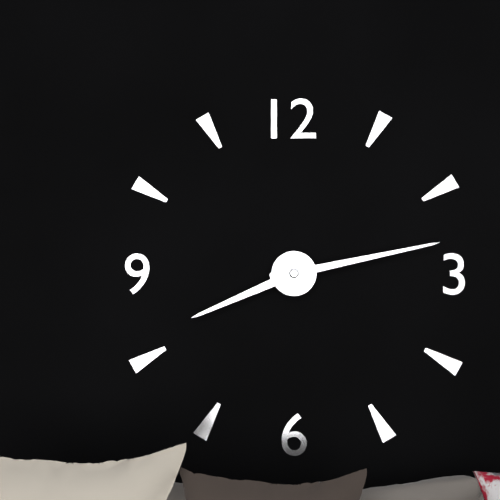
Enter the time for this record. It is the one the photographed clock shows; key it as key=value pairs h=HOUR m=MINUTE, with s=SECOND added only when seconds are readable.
h=8 m=13
